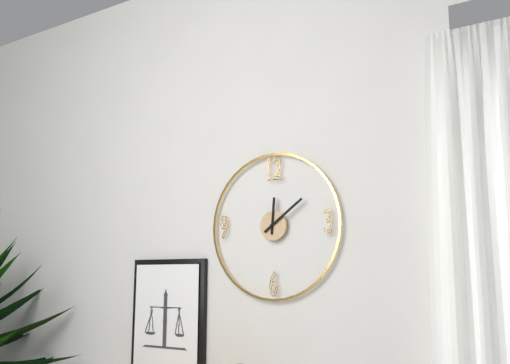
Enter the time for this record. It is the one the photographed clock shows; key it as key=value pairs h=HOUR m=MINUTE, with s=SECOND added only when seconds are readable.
h=12 m=9
